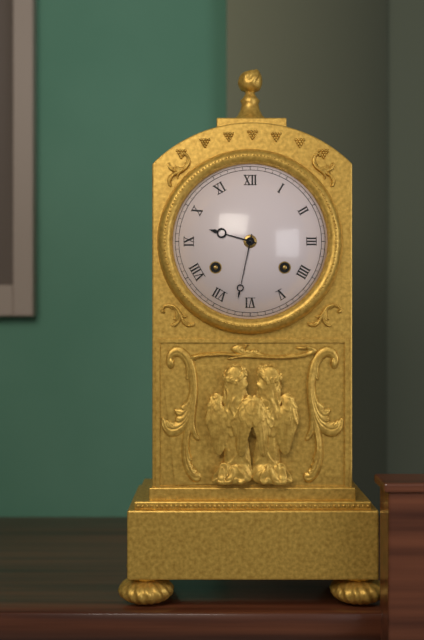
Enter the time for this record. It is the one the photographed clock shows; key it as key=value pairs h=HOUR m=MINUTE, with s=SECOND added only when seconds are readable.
h=9 m=32
